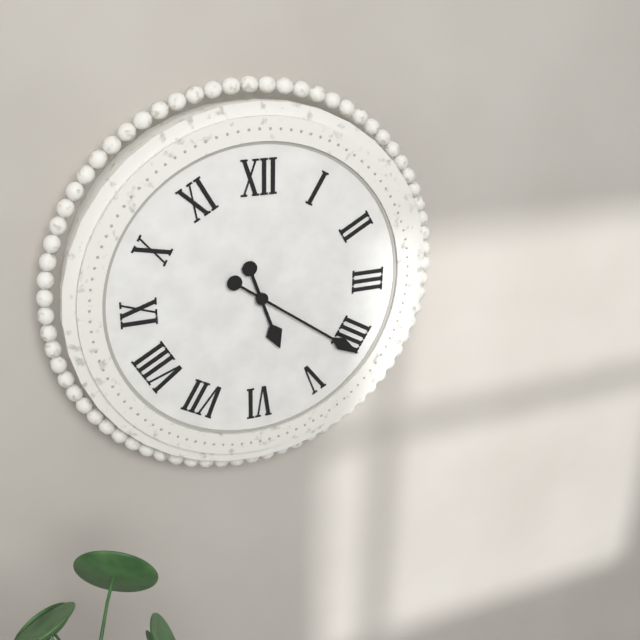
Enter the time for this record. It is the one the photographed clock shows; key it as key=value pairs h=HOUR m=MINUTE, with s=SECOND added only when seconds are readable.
h=5 m=21
